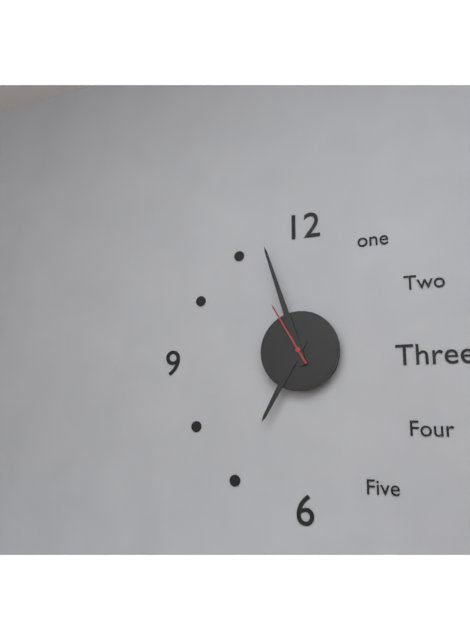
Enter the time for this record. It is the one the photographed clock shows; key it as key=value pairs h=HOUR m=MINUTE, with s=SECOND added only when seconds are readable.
h=6 m=57 s=55
